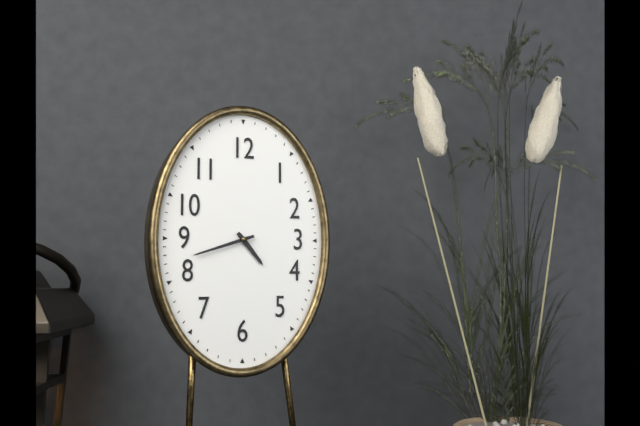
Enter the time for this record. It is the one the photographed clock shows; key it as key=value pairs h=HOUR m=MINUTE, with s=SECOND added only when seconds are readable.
h=4 m=42
